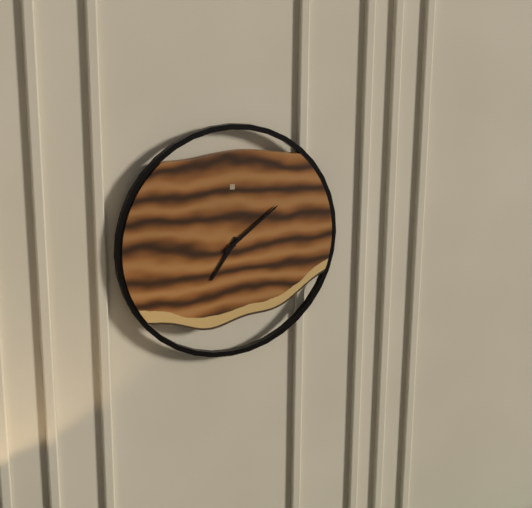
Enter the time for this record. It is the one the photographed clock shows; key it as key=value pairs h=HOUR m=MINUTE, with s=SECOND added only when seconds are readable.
h=7 m=9
